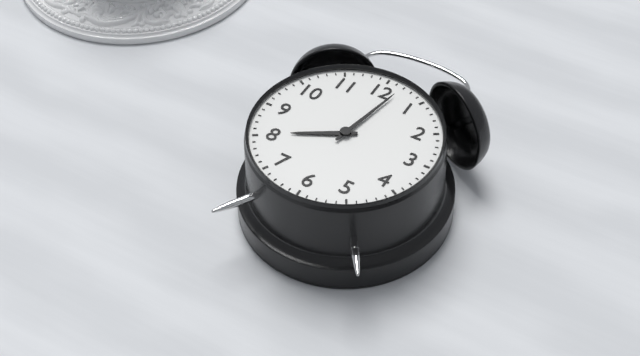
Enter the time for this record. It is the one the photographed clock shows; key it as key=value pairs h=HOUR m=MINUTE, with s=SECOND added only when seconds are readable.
h=8 m=2
